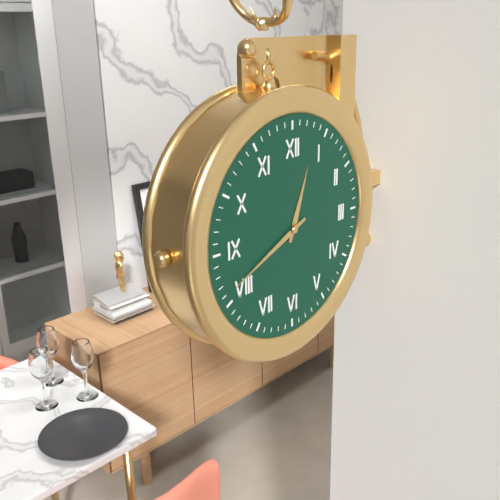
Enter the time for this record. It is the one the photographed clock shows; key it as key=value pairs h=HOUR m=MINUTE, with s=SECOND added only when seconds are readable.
h=12 m=41
